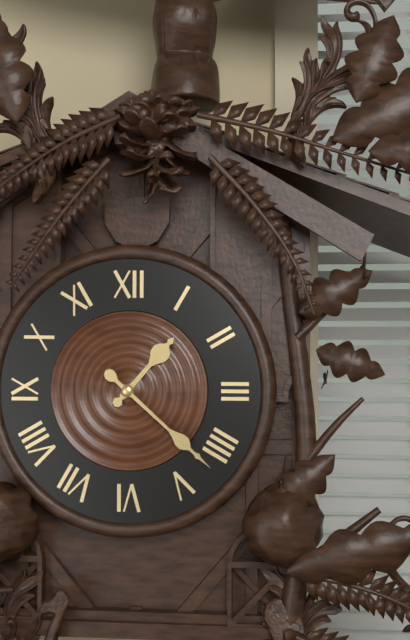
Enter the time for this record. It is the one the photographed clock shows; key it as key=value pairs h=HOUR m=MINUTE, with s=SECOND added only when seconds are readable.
h=1 m=22
